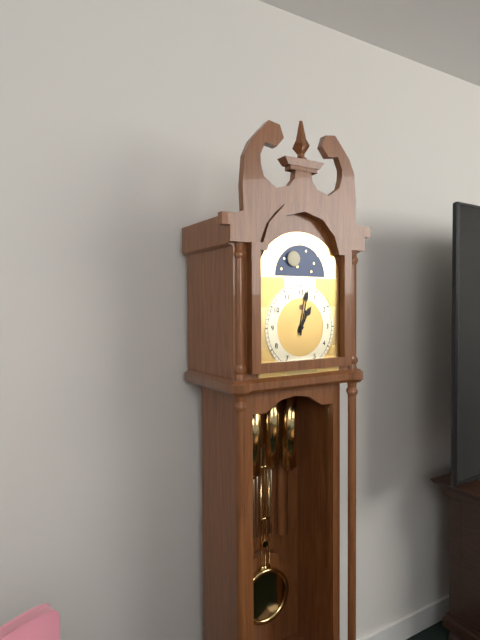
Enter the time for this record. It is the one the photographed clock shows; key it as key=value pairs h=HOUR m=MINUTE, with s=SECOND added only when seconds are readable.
h=1 m=2
